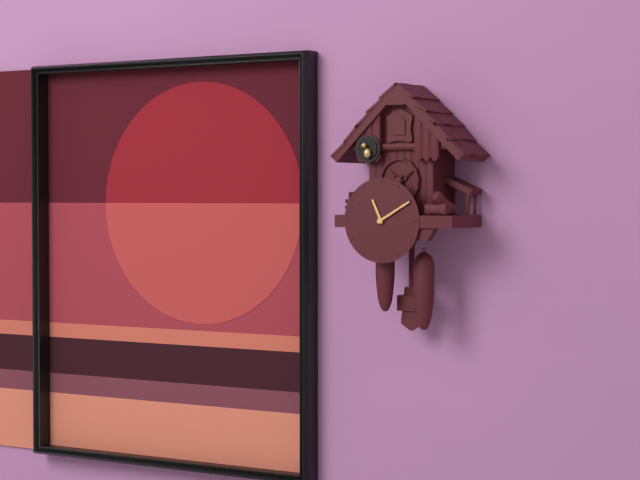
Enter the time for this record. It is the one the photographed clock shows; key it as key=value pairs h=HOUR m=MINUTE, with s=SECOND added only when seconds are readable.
h=11 m=10
